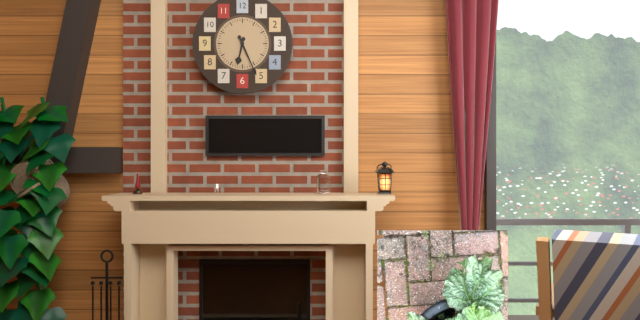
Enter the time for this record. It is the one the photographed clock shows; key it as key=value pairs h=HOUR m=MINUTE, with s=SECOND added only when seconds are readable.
h=6 m=26
